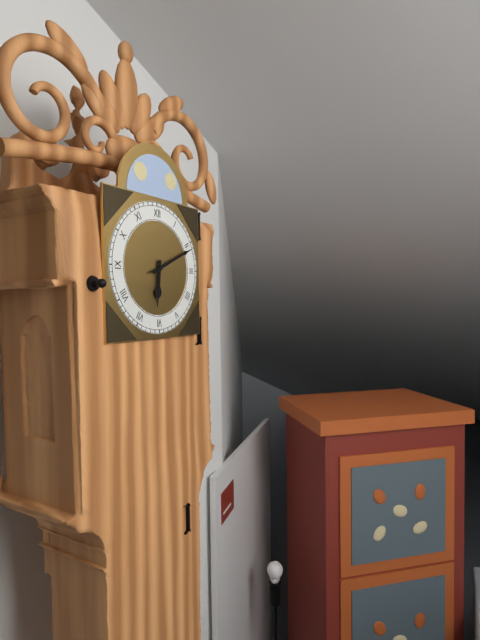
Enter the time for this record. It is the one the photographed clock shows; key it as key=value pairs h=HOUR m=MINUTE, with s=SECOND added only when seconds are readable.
h=6 m=11
